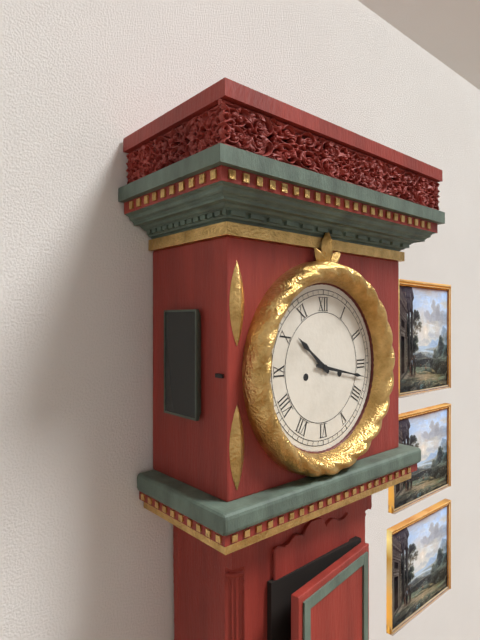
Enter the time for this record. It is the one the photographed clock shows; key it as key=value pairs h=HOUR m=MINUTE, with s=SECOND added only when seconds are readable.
h=10 m=17
